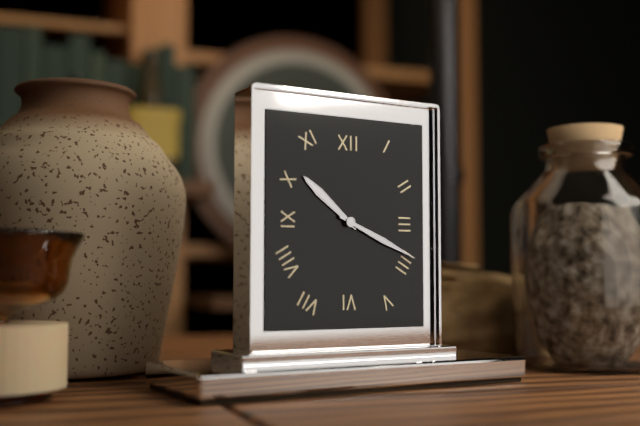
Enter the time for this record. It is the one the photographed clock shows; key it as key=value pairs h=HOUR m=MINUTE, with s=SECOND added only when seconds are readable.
h=10 m=19
